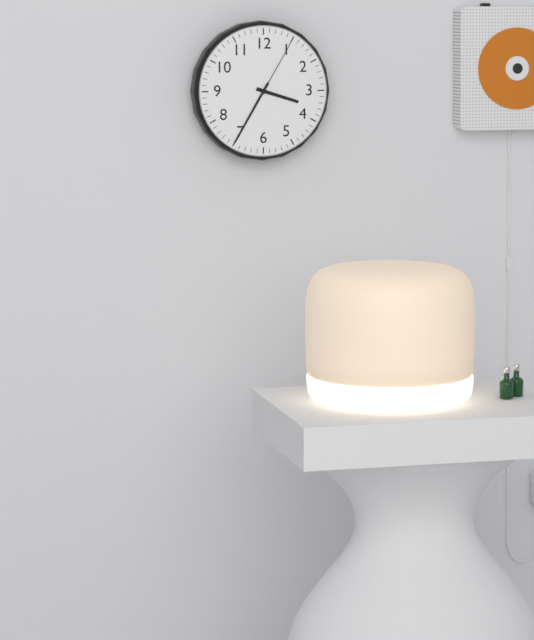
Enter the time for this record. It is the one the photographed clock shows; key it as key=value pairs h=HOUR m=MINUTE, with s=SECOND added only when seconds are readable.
h=3 m=35 s=5
